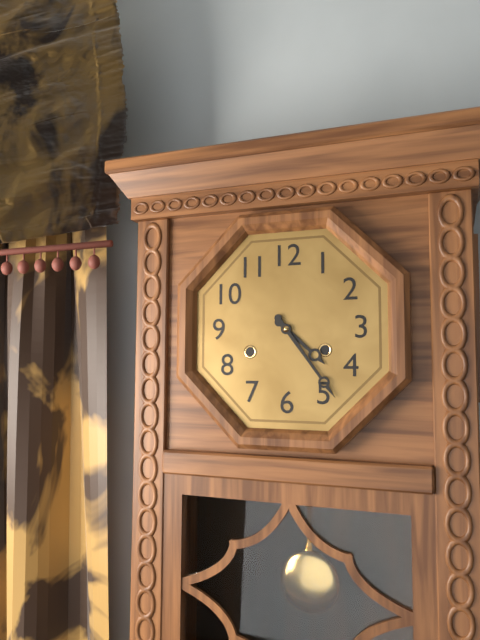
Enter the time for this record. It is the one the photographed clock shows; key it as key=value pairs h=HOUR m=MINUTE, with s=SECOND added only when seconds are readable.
h=4 m=24
